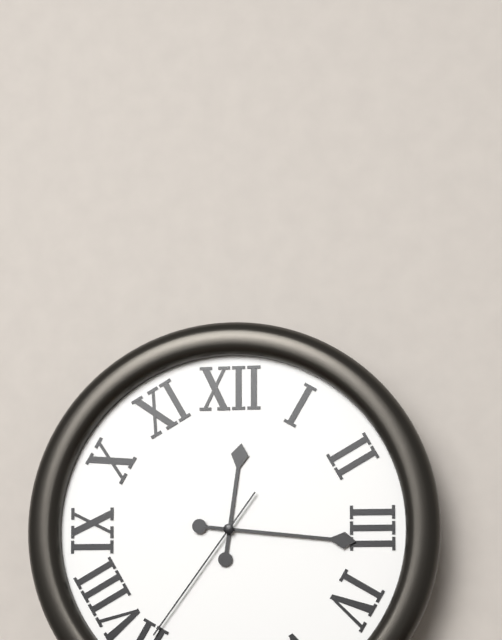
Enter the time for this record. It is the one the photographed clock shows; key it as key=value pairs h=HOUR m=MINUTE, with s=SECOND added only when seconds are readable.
h=12 m=16 s=36
